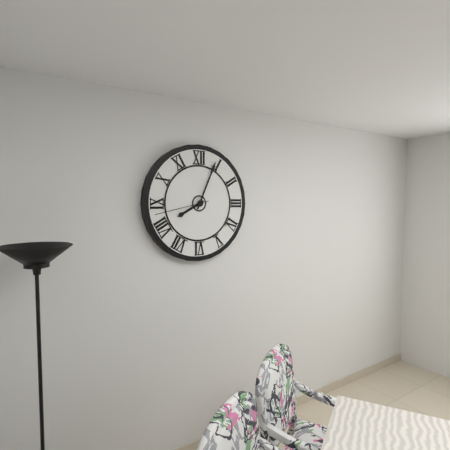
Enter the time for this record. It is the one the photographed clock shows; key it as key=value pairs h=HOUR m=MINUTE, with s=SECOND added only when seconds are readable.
h=8 m=4 s=43
